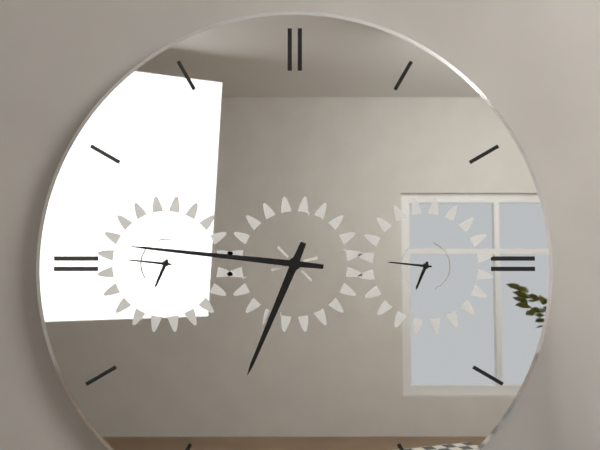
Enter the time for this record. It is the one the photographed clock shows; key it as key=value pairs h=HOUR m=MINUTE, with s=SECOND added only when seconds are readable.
h=6 m=46
